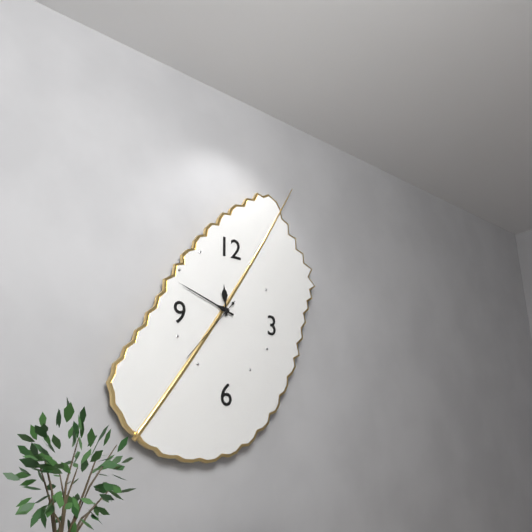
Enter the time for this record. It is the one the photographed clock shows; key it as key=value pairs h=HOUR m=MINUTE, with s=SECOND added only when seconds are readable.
h=11 m=48 s=37
